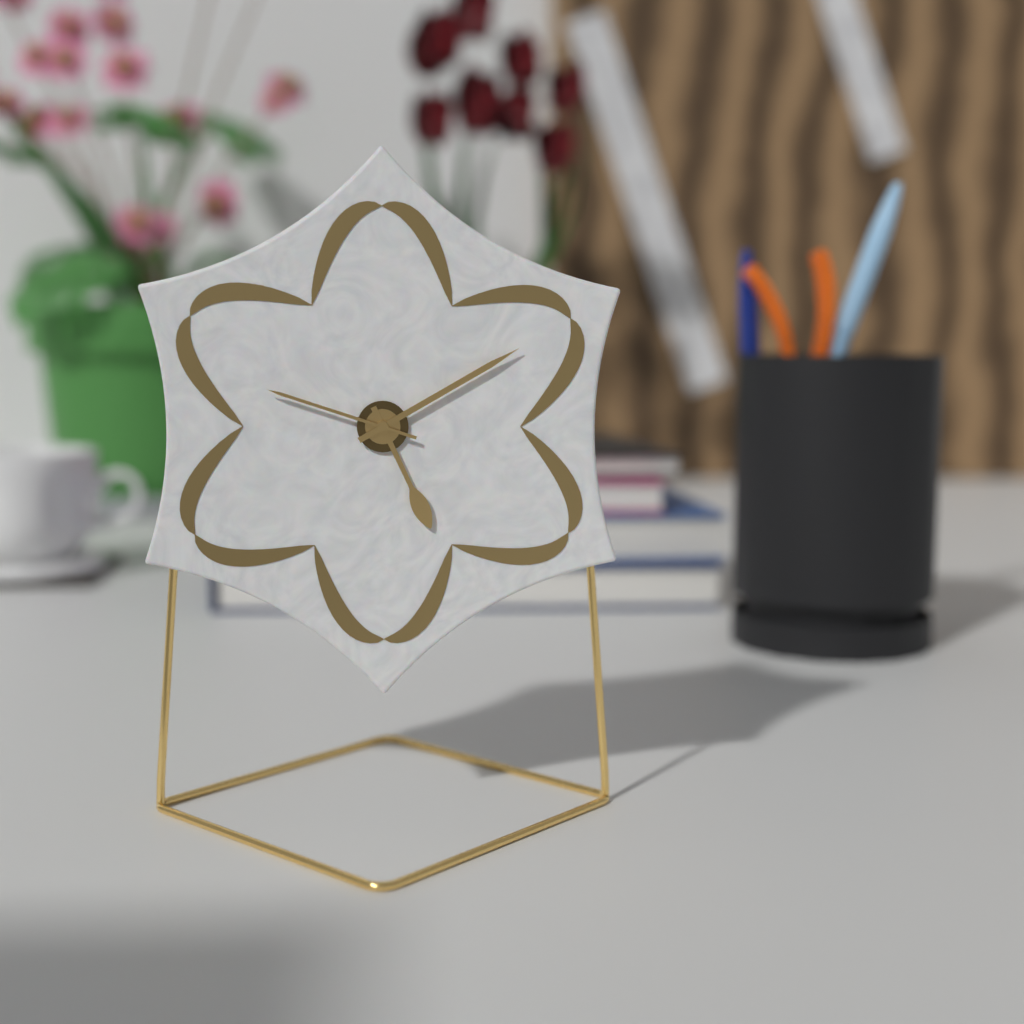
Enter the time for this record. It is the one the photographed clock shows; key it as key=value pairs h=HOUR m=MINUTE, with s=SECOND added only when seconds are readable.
h=5 m=10 s=48
